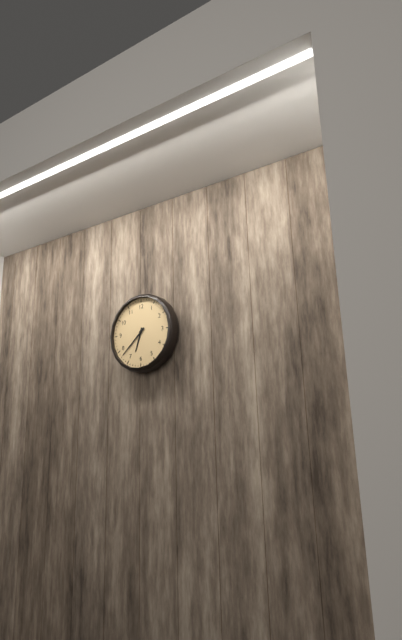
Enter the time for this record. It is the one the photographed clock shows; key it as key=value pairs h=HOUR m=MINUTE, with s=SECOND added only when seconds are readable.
h=6 m=38
